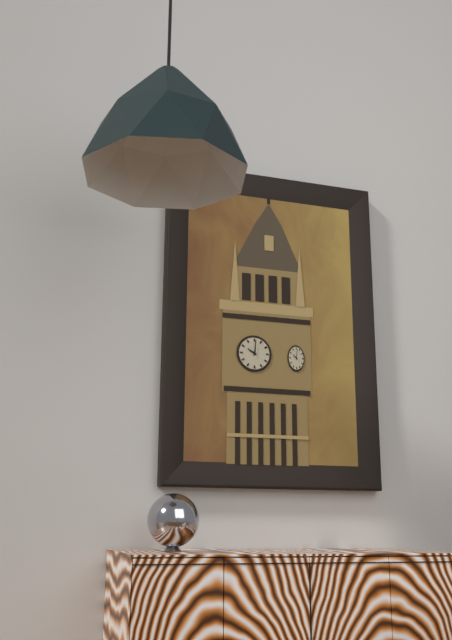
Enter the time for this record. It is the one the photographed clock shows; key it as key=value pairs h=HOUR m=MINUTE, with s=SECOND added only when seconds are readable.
h=10 m=1
